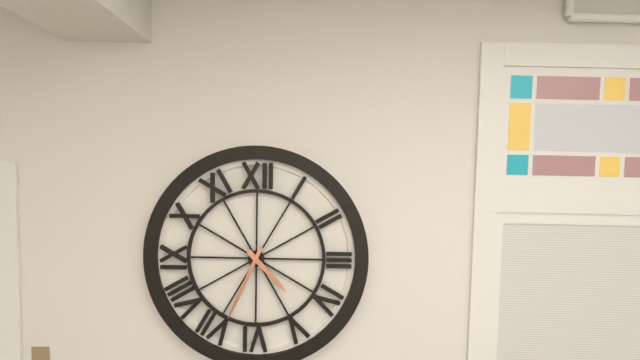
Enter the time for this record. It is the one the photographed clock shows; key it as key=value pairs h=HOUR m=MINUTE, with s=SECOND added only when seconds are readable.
h=4 m=34
